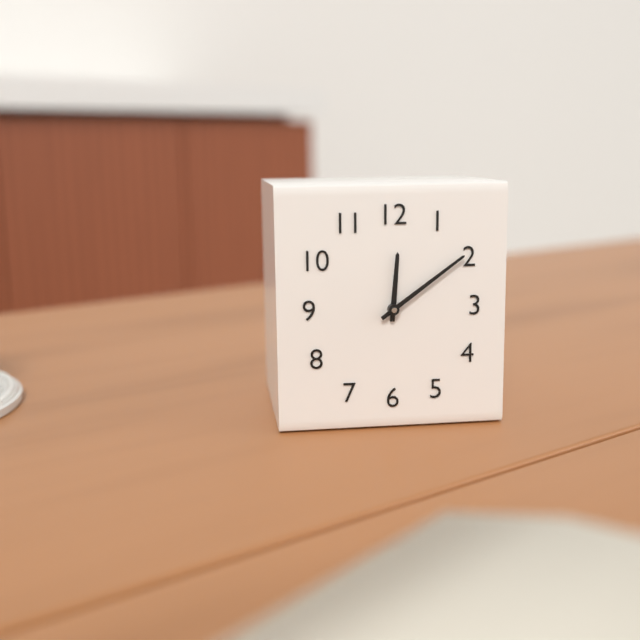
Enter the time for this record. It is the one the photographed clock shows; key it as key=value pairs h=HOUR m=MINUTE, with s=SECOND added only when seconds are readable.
h=12 m=9
